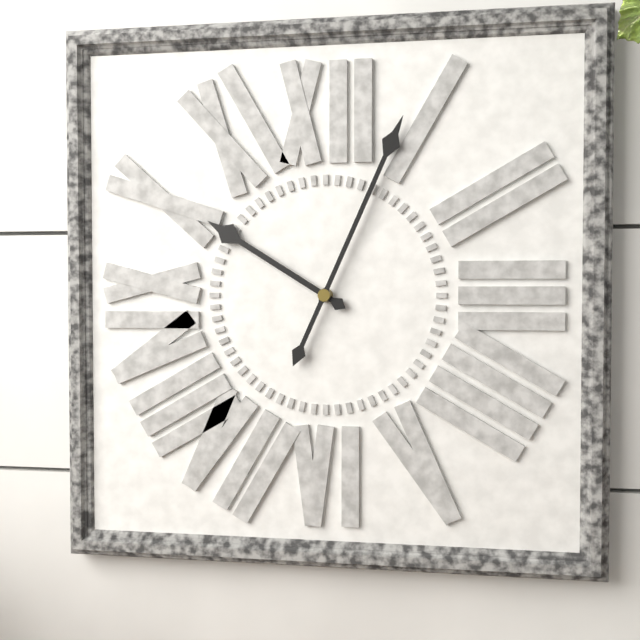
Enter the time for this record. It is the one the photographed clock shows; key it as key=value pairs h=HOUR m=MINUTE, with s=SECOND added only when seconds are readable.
h=10 m=4
